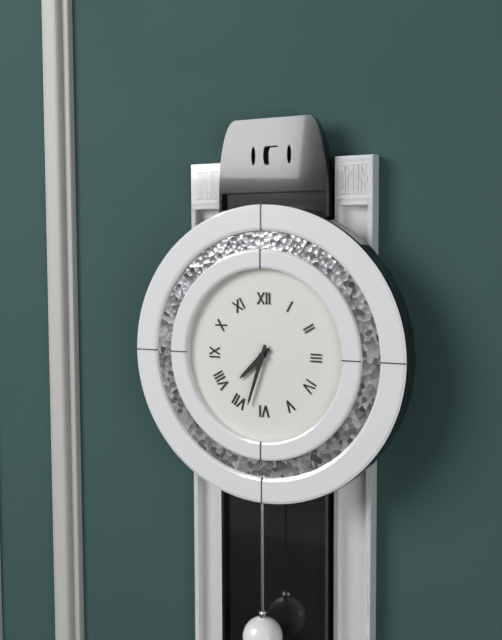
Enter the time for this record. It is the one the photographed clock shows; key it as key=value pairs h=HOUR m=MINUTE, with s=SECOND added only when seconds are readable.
h=7 m=33
